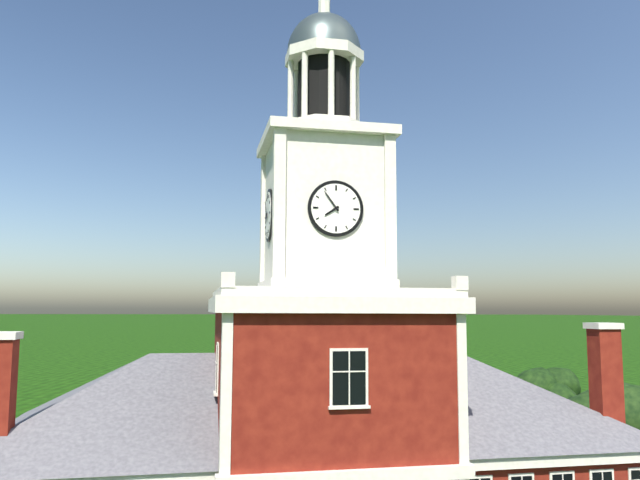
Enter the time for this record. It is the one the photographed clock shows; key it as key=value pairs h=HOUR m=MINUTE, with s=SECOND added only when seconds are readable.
h=7 m=54
